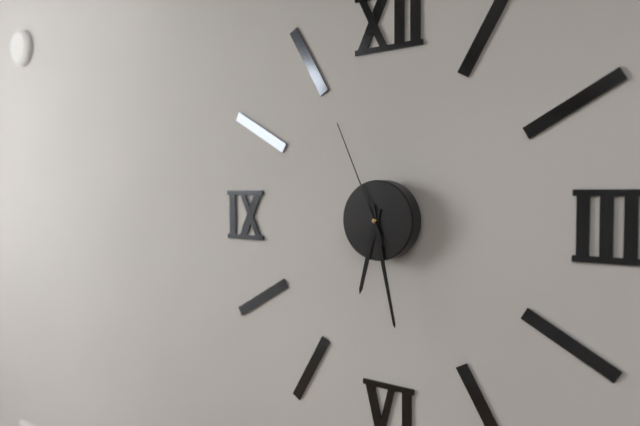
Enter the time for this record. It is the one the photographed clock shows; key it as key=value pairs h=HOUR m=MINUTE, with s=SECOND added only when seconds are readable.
h=6 m=28 s=56
